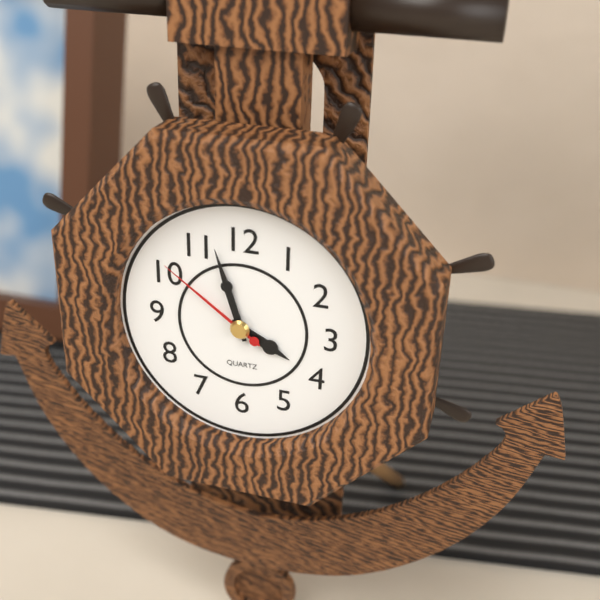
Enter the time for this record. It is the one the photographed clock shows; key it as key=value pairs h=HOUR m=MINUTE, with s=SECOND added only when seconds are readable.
h=3 m=57 s=51
